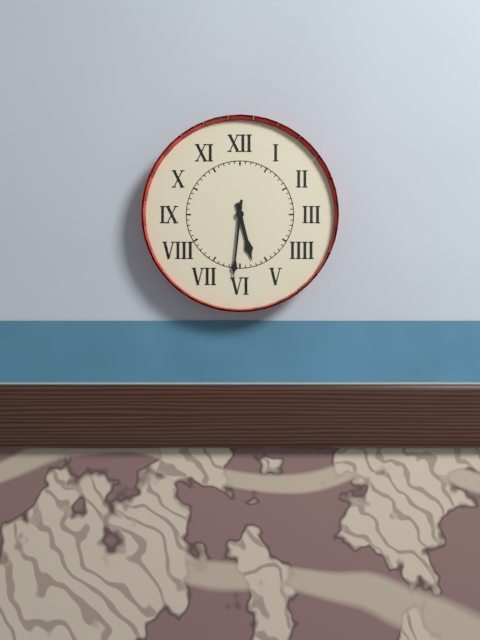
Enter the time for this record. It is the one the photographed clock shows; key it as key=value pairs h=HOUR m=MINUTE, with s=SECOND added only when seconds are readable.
h=5 m=31
